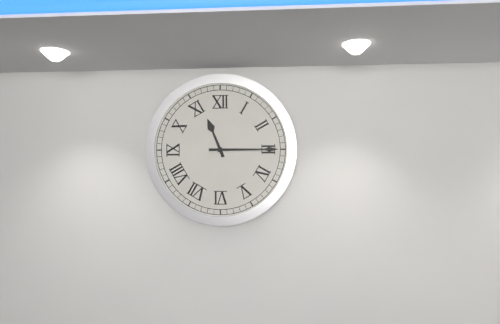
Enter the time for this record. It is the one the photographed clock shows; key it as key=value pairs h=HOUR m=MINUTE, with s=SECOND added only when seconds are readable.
h=11 m=15
